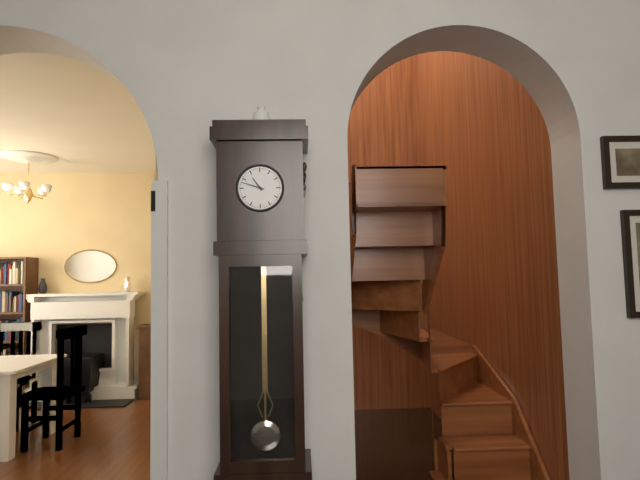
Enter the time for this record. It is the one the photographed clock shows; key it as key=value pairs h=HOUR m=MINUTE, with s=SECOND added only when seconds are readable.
h=10 m=48
